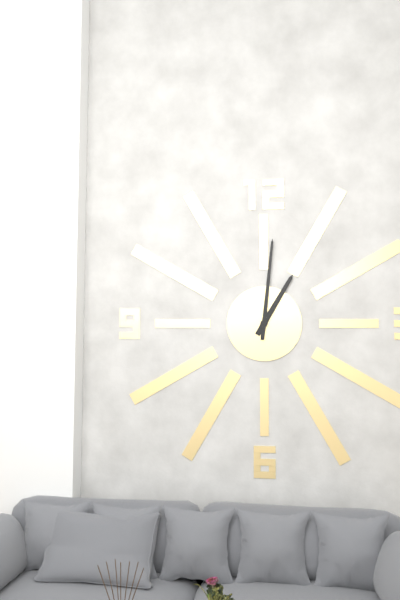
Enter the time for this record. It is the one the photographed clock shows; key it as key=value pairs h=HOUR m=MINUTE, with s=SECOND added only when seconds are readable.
h=1 m=1
